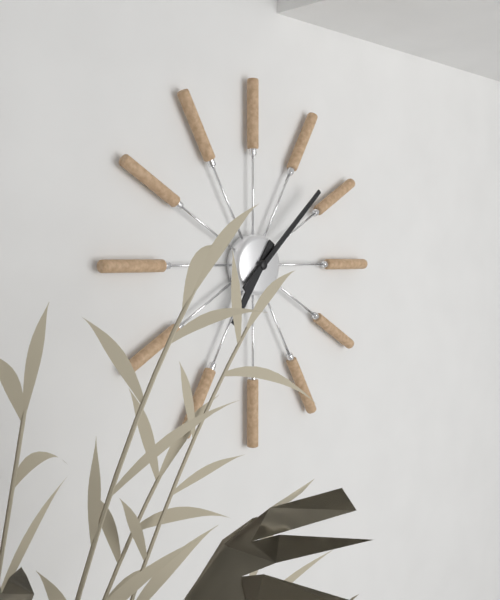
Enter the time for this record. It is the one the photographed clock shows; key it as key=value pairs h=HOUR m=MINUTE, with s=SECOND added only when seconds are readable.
h=7 m=8
